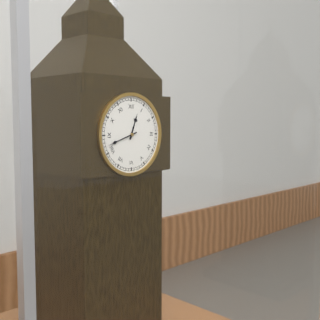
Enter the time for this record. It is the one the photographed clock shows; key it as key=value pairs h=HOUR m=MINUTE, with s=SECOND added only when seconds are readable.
h=12 m=42
